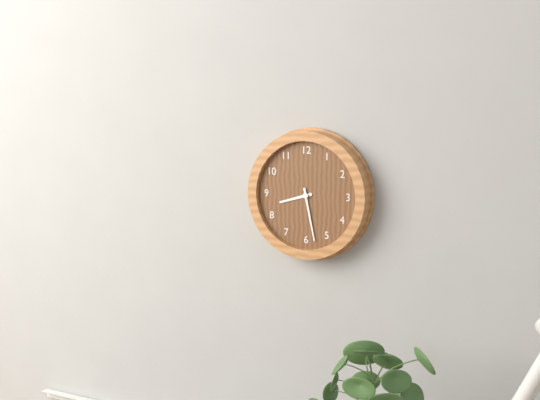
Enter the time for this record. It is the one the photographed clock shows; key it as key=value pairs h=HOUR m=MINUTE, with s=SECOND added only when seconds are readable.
h=8 m=28
